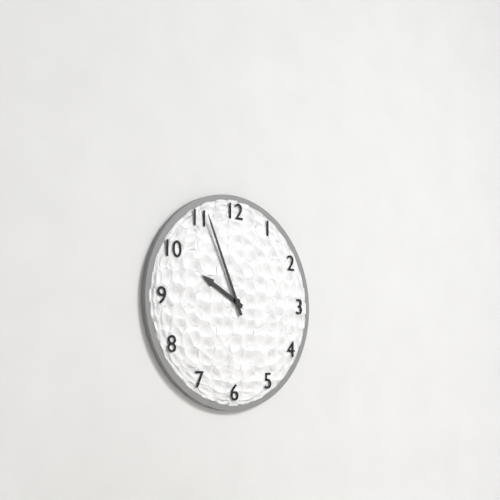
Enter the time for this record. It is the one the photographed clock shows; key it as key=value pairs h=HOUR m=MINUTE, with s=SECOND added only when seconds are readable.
h=9 m=56
